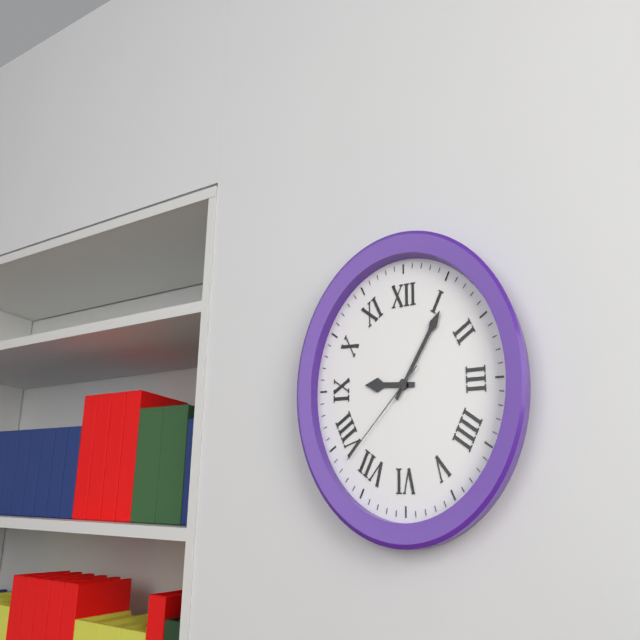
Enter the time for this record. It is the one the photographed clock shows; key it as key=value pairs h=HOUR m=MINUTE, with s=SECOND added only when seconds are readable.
h=9 m=6 s=38
